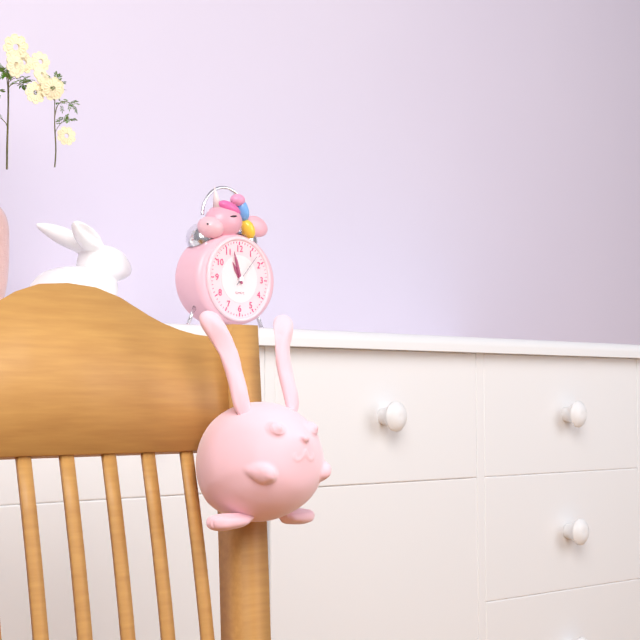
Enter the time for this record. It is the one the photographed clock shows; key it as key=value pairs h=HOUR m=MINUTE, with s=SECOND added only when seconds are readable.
h=10 m=57
